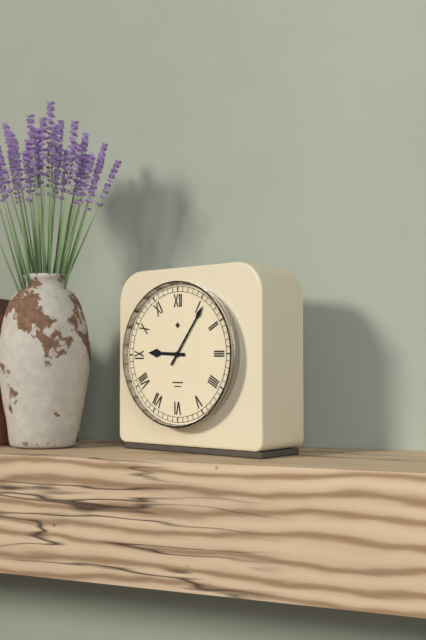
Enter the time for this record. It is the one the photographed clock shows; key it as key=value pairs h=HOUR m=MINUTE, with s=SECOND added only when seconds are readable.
h=9 m=6
